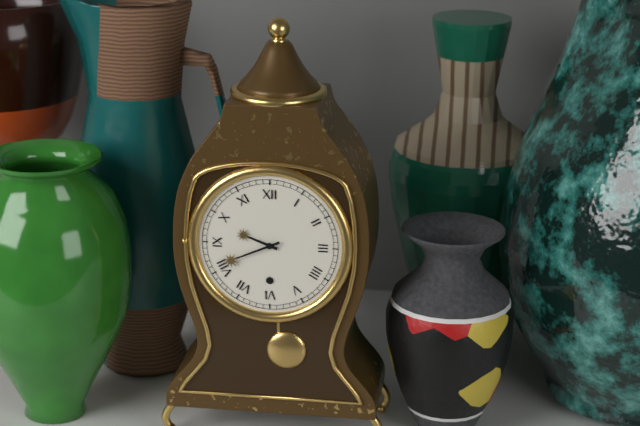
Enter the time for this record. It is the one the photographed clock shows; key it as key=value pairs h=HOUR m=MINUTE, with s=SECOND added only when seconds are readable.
h=9 m=41
